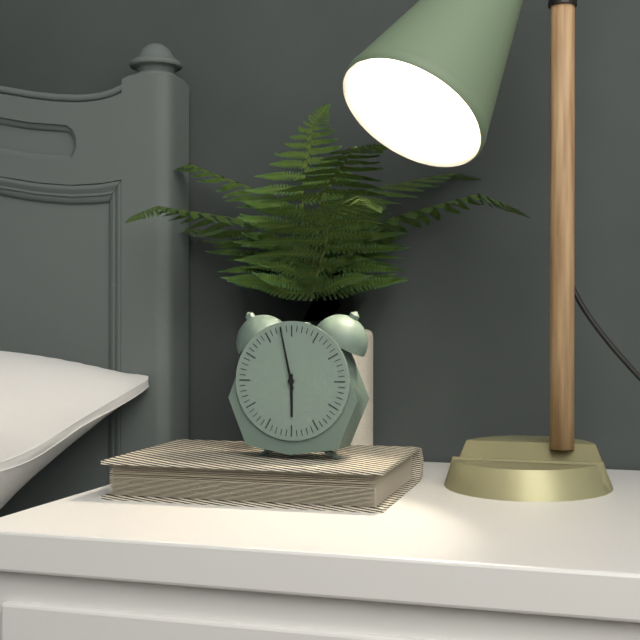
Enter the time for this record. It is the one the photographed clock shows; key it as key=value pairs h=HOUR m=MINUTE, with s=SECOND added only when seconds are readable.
h=5 m=58
